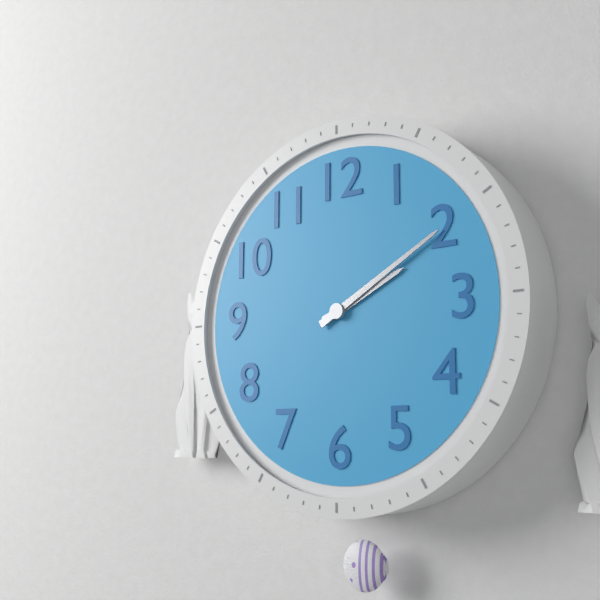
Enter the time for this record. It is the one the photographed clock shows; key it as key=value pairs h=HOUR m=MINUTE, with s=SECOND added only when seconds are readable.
h=2 m=10
